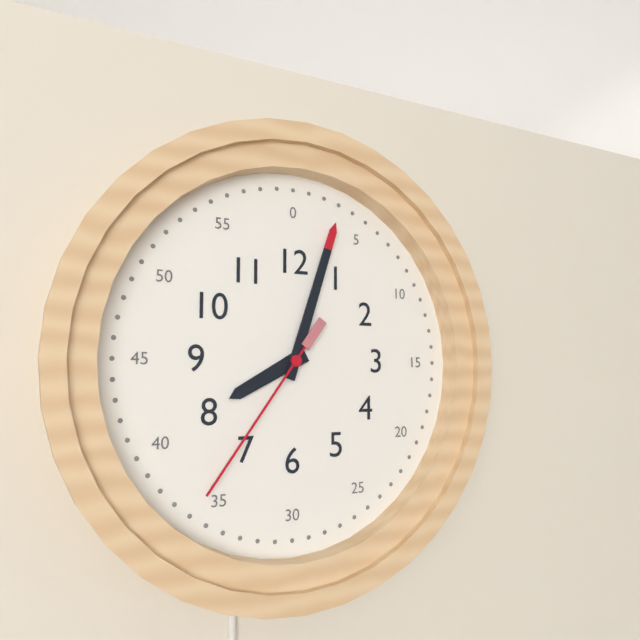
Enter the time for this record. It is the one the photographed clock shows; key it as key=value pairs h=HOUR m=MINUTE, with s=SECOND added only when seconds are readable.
h=8 m=3 s=36
